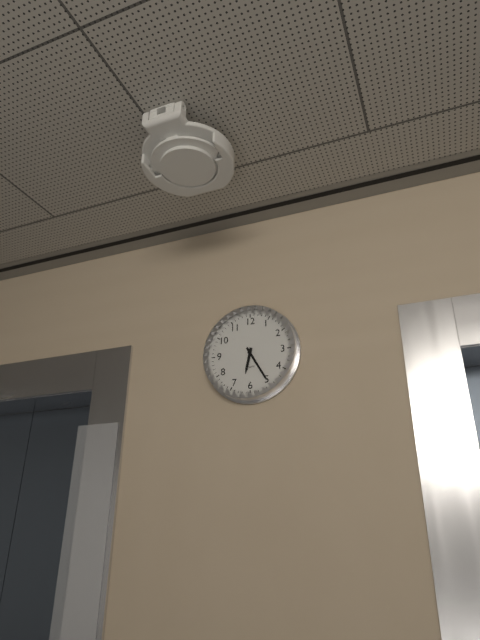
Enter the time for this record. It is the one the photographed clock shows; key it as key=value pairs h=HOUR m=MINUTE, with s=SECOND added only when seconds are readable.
h=6 m=25
